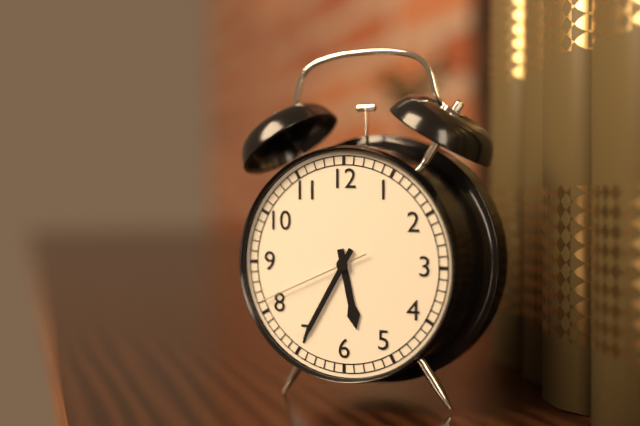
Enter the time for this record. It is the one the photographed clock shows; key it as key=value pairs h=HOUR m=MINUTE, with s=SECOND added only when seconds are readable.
h=5 m=35 s=41
